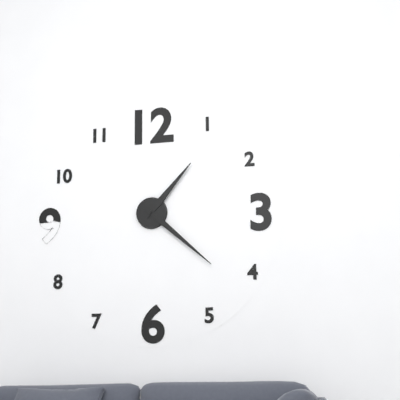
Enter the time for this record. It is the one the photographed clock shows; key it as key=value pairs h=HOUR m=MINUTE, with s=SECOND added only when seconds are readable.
h=1 m=22
